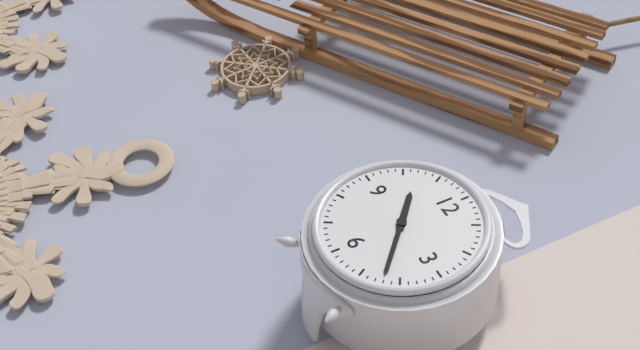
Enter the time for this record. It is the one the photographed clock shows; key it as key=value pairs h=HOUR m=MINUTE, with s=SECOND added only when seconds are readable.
h=10 m=22
